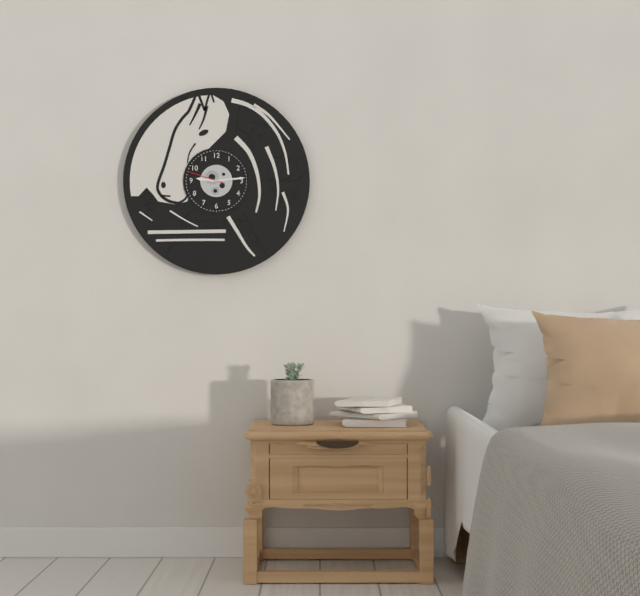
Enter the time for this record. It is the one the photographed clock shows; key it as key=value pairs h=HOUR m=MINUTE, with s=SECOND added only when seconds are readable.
h=9 m=14
